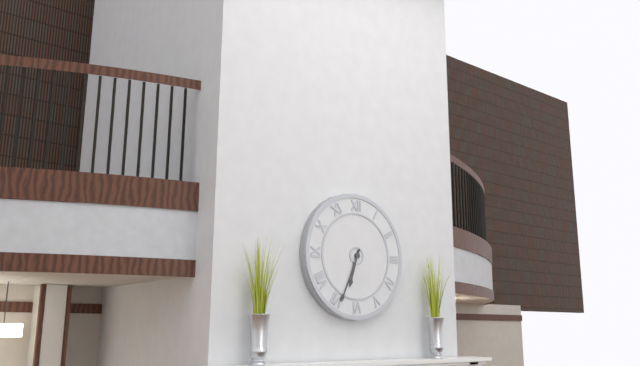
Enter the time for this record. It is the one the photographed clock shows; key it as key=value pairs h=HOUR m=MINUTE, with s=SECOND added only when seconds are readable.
h=6 m=34
